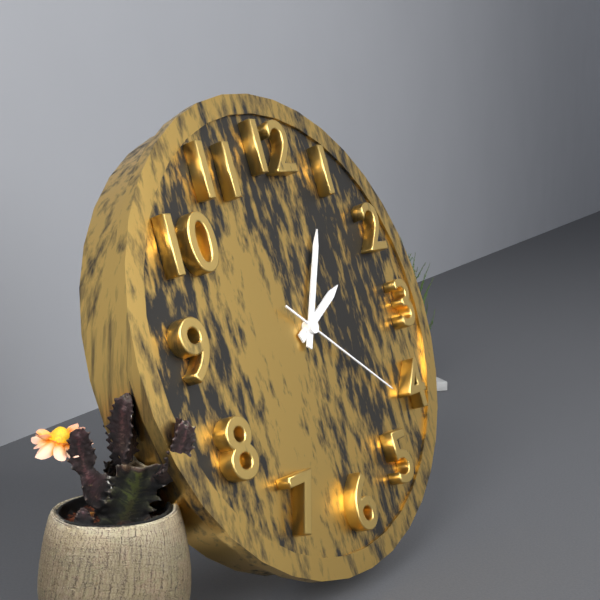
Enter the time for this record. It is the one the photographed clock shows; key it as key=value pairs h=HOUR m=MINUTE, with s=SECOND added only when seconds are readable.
h=2 m=5 s=21
